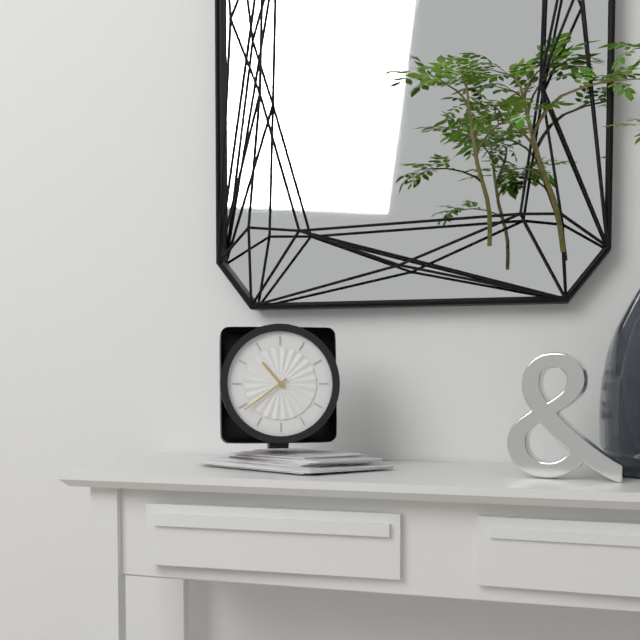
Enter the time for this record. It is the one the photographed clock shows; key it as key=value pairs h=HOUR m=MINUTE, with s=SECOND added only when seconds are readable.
h=10 m=39
